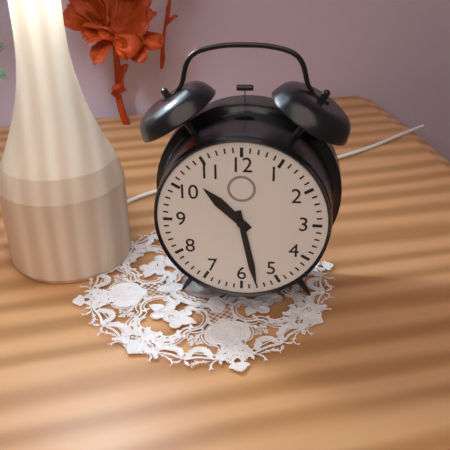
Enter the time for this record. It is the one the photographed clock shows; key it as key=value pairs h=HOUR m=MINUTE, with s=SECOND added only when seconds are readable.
h=10 m=28
